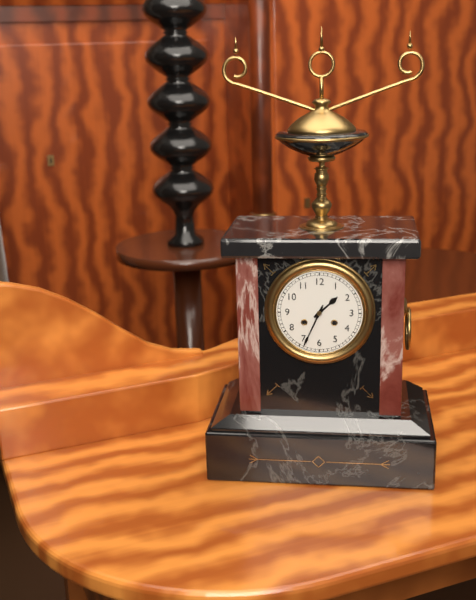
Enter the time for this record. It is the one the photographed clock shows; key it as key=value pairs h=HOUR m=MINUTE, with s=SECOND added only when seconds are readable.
h=1 m=34
